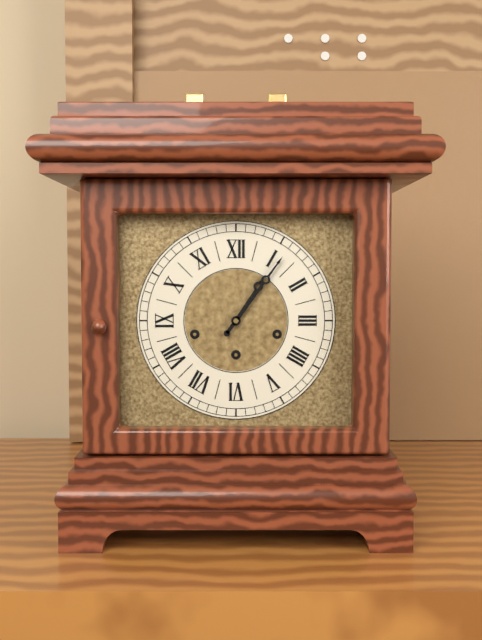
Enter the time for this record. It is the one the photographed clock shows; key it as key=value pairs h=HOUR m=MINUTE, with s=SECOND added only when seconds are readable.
h=1 m=6
